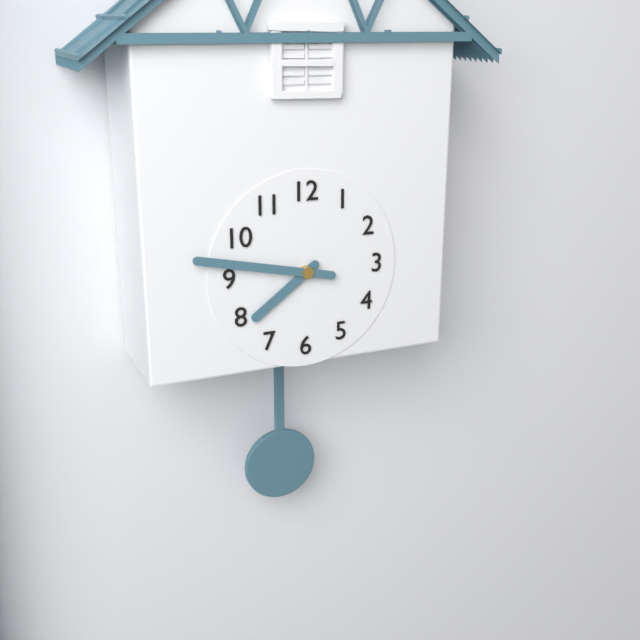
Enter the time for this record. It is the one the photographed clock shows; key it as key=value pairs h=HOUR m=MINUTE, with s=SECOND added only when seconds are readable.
h=7 m=47
